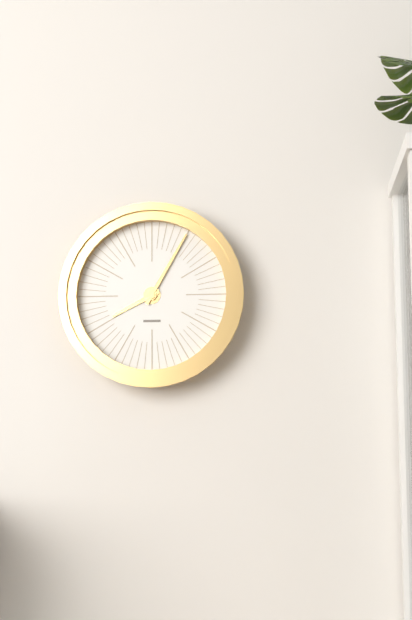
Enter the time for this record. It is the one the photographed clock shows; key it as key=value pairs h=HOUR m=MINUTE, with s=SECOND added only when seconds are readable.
h=8 m=5
